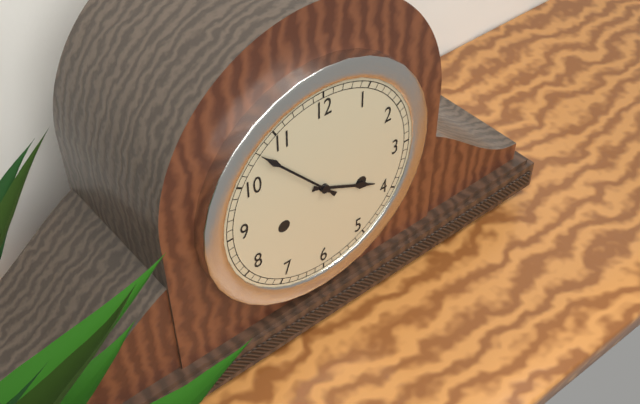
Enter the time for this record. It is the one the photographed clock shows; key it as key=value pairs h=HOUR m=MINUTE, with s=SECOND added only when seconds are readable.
h=3 m=53
